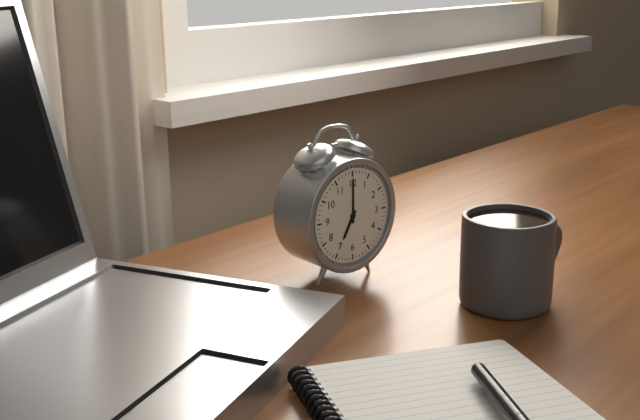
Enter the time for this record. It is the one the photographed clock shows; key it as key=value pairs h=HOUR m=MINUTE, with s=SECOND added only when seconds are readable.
h=7 m=0
